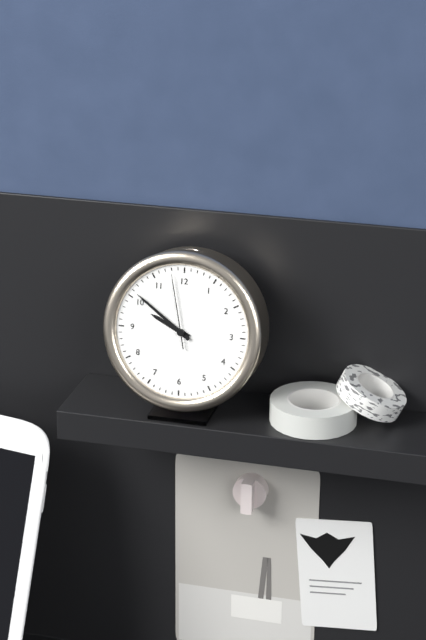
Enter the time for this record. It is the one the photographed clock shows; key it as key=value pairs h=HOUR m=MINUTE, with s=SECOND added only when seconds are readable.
h=9 m=51 s=58
